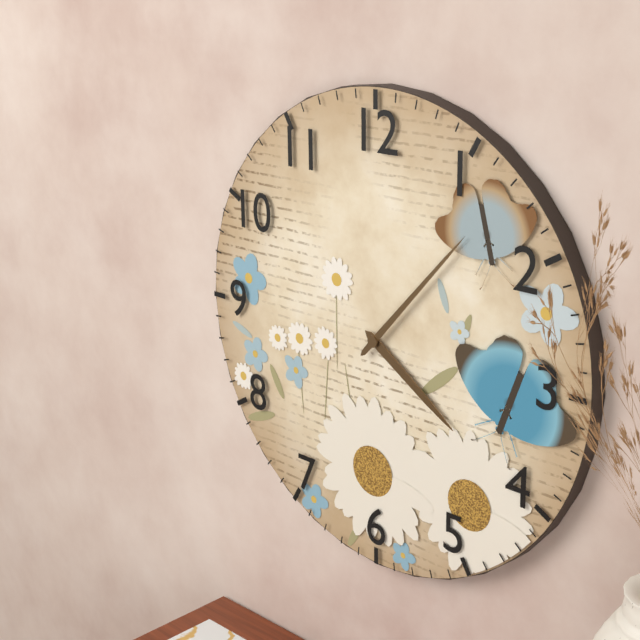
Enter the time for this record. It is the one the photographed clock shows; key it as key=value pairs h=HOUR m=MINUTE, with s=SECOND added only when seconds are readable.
h=4 m=7
